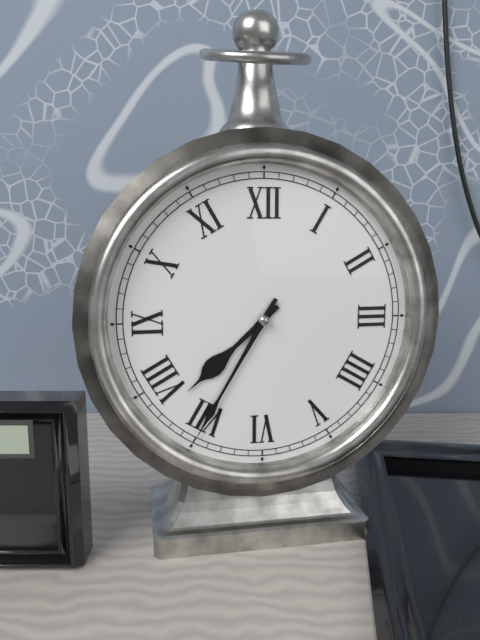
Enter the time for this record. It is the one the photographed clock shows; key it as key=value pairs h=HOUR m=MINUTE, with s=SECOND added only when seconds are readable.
h=7 m=35
